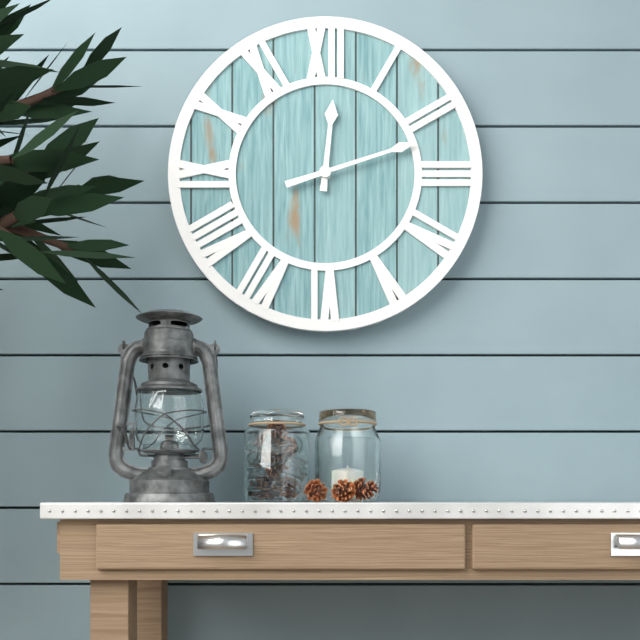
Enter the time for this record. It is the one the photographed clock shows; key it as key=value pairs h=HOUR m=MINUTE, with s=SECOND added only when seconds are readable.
h=12 m=12
